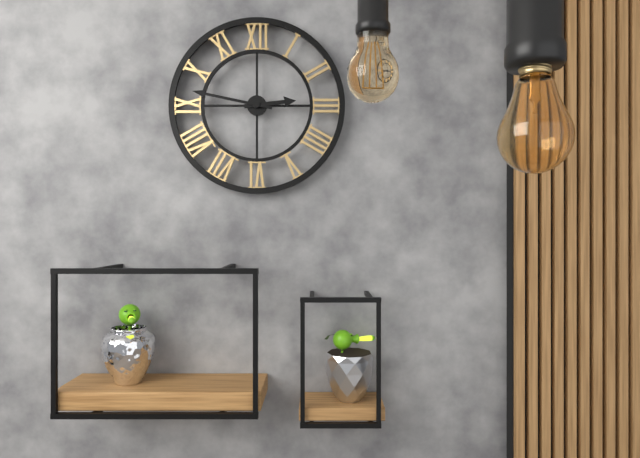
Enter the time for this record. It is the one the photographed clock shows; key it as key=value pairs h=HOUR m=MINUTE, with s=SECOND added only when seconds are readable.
h=2 m=47
